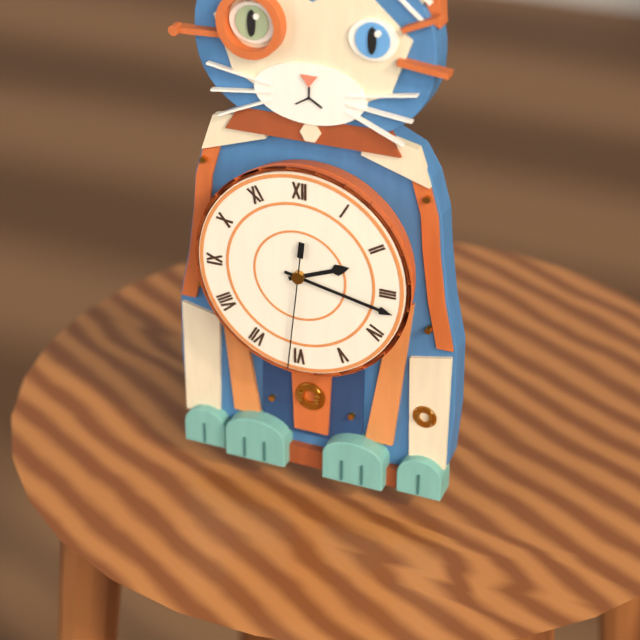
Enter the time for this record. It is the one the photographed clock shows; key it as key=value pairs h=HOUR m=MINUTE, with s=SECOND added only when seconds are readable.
h=2 m=17 s=31
